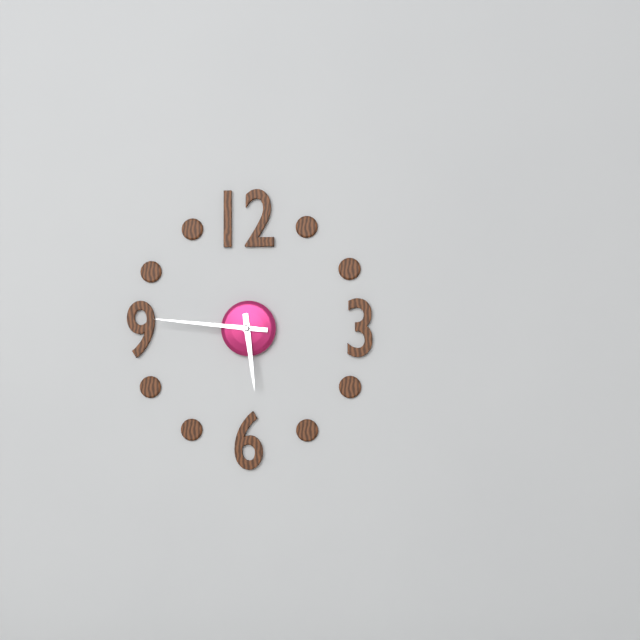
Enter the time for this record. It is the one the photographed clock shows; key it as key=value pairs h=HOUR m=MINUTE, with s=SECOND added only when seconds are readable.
h=5 m=46
